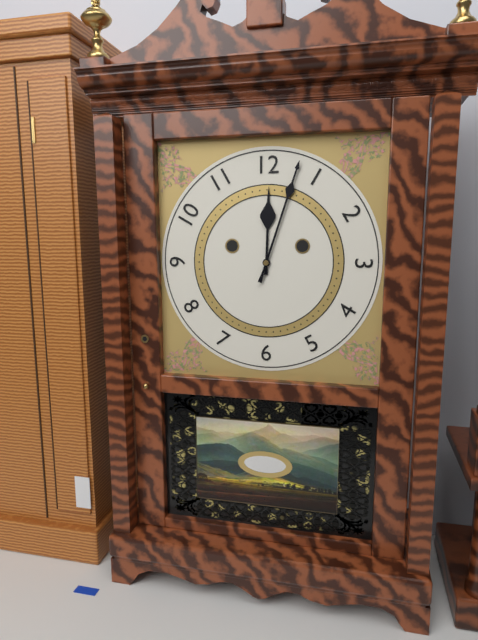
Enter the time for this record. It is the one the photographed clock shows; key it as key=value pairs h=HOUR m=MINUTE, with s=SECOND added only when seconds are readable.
h=12 m=3
